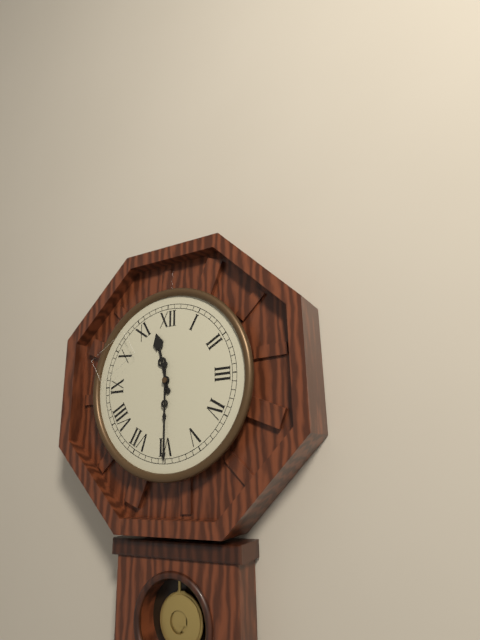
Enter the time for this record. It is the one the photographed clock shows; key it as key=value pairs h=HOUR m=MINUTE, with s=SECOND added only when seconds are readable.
h=11 m=30
